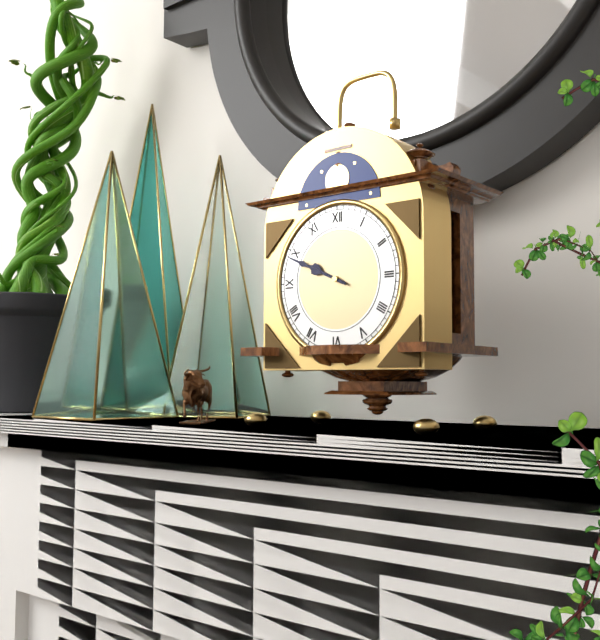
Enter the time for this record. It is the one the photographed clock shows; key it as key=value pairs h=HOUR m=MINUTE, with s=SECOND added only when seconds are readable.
h=9 m=49
